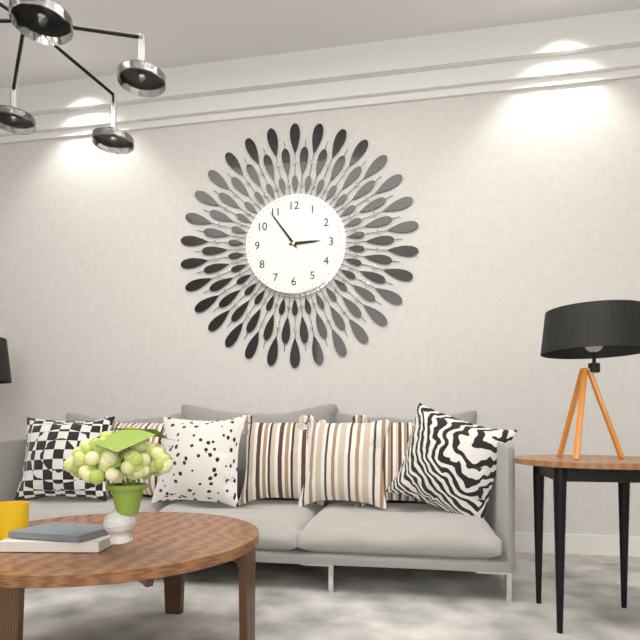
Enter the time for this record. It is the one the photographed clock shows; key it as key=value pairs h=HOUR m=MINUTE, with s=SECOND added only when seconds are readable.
h=2 m=54
